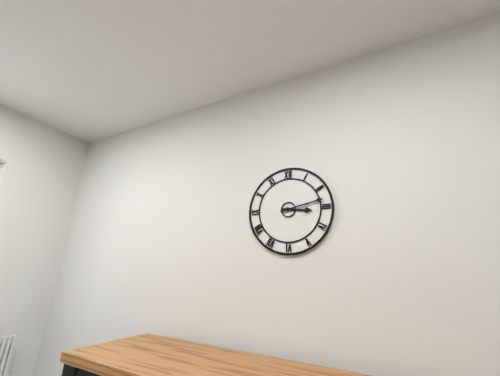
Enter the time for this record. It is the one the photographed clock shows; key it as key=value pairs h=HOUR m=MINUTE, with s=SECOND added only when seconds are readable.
h=3 m=13
